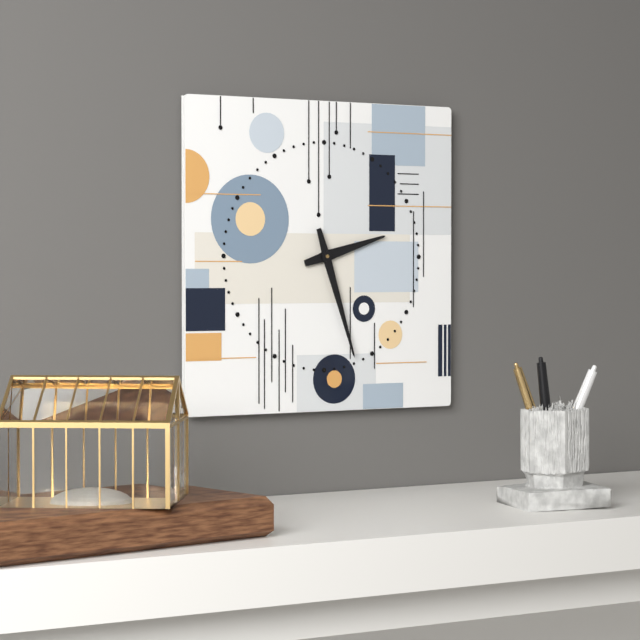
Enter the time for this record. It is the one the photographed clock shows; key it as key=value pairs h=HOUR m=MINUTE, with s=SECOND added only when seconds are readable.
h=2 m=27
